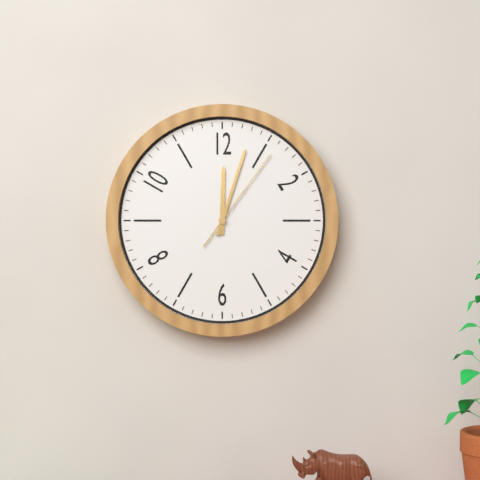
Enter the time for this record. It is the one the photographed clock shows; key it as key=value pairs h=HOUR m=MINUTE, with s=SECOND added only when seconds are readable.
h=12 m=3 s=6
